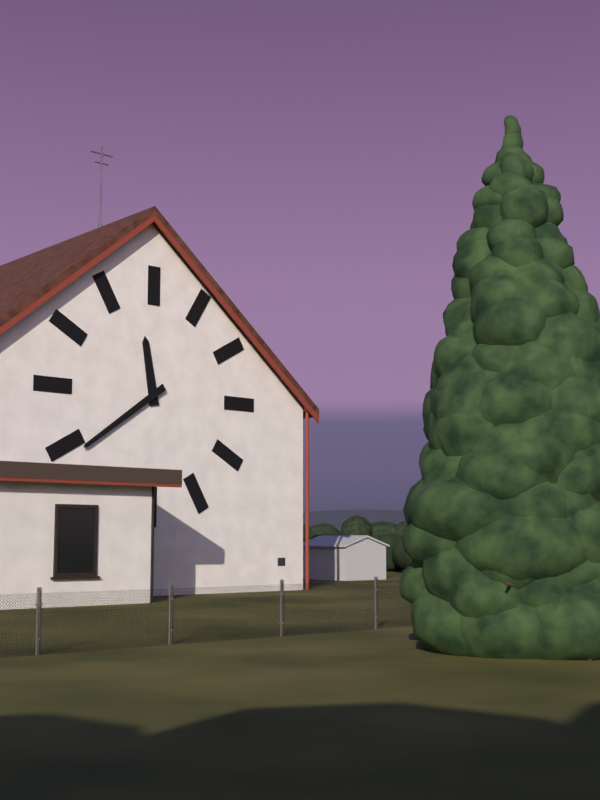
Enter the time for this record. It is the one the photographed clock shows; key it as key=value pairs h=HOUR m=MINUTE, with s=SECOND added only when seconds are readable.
h=11 m=39
